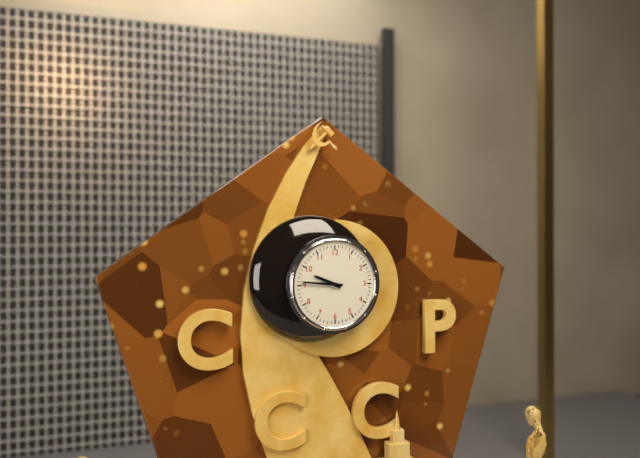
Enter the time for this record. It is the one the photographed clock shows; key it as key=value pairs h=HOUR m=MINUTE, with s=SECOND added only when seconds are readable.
h=9 m=46
